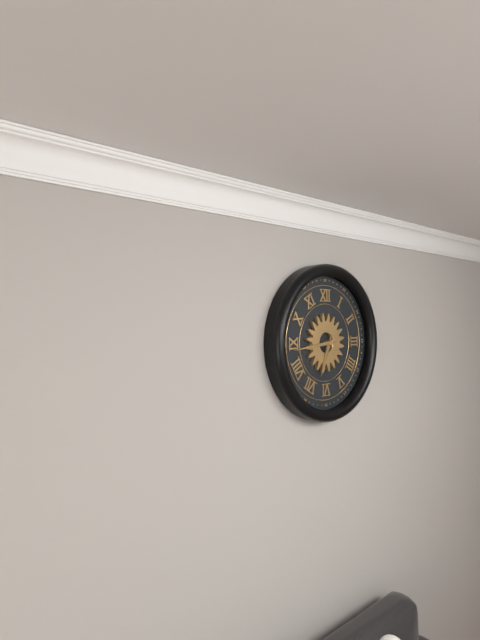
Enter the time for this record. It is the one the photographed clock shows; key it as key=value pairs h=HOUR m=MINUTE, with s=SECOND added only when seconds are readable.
h=6 m=44
